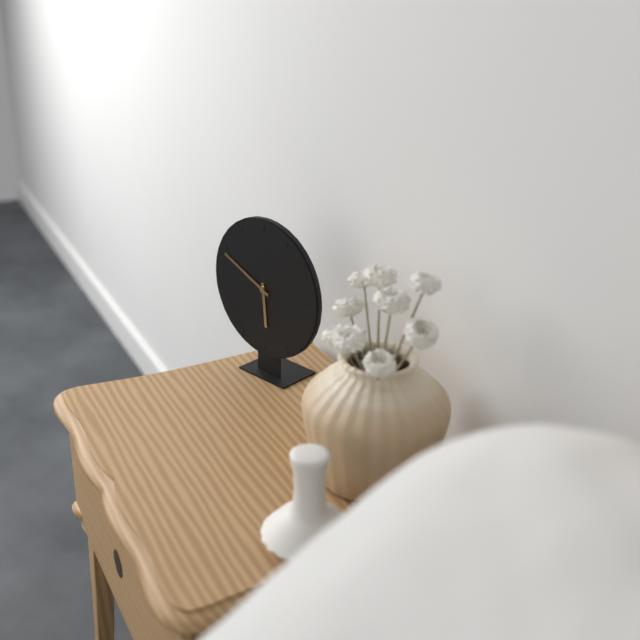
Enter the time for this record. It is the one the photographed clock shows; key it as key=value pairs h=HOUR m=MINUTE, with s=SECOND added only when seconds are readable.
h=5 m=49
